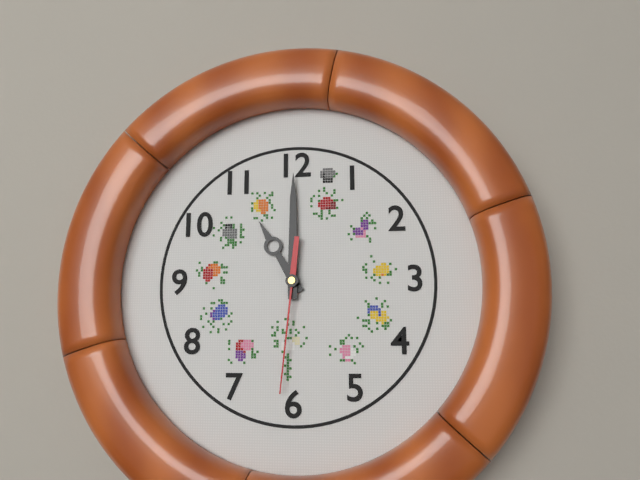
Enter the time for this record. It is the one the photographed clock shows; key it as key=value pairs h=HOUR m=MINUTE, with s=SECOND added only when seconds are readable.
h=11 m=0 s=31
